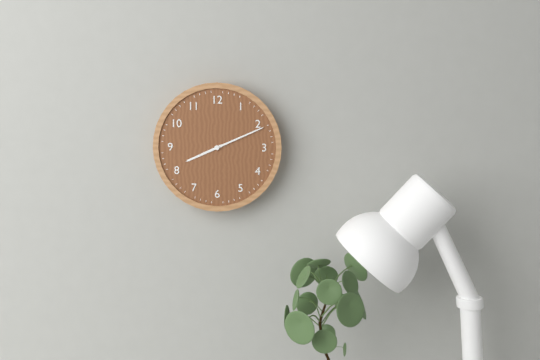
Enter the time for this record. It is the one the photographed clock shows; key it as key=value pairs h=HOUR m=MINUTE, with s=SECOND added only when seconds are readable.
h=8 m=11
